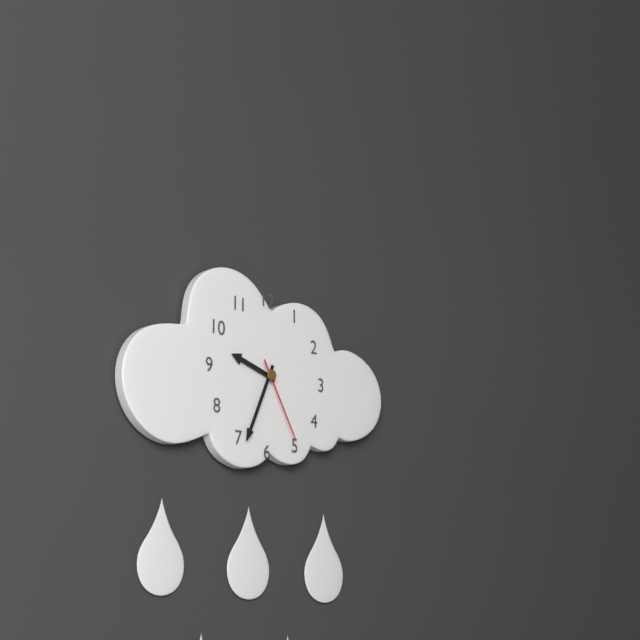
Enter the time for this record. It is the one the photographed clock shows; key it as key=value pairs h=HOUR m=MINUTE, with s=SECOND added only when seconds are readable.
h=9 m=34 s=25
